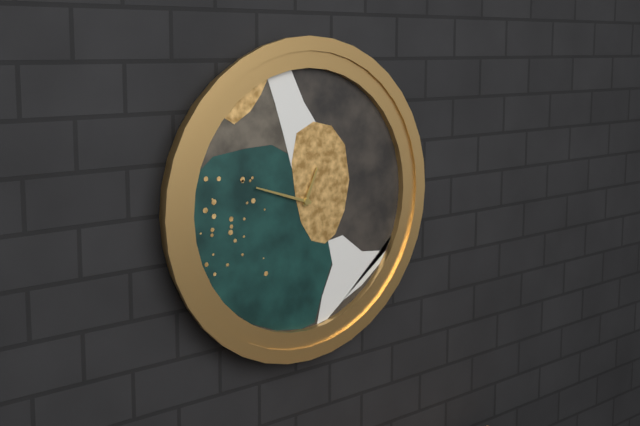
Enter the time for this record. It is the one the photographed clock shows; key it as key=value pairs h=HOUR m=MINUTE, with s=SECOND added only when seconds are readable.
h=12 m=48
